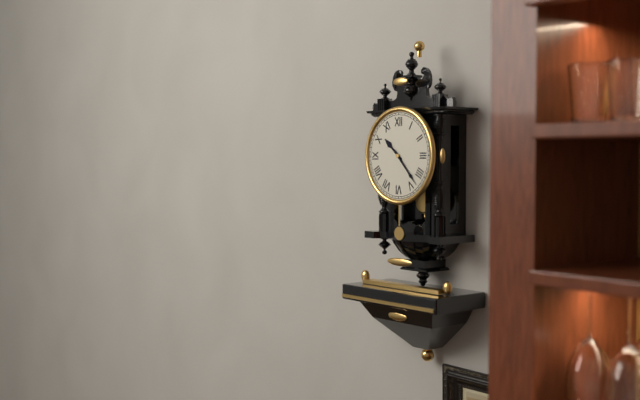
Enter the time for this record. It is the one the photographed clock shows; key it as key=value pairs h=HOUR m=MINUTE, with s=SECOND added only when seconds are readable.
h=10 m=23
